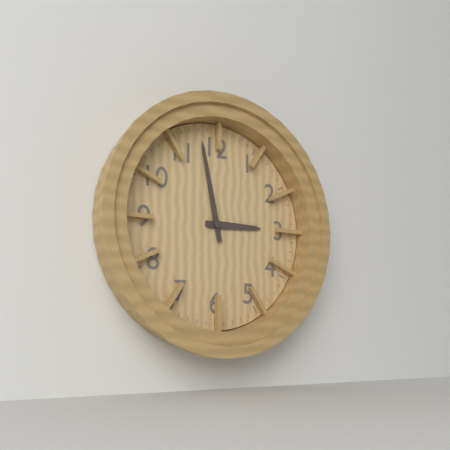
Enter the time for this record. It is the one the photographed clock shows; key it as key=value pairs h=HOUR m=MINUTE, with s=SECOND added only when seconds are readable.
h=2 m=58
